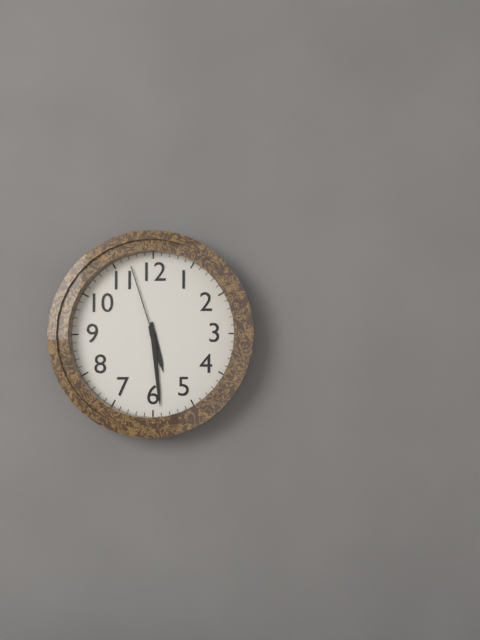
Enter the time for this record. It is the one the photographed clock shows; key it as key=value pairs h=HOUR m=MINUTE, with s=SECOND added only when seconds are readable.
h=5 m=29 s=57
